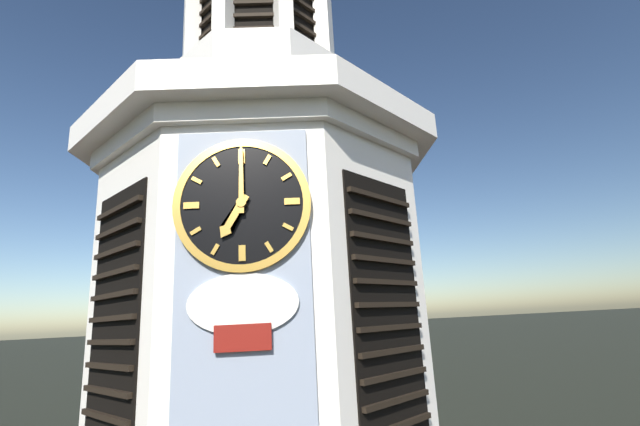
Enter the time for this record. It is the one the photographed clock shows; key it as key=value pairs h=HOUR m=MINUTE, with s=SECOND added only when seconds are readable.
h=7 m=0
